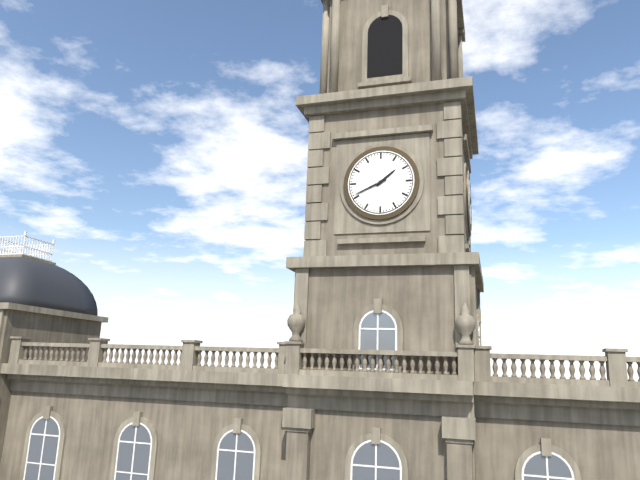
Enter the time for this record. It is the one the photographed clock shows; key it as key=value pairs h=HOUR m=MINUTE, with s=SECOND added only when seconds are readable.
h=1 m=41
